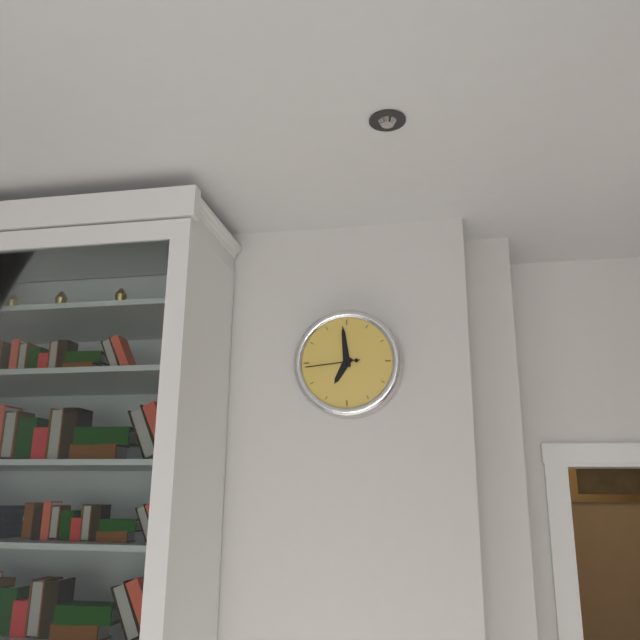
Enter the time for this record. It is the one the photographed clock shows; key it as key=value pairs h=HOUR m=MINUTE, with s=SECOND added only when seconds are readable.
h=6 m=59 s=44
